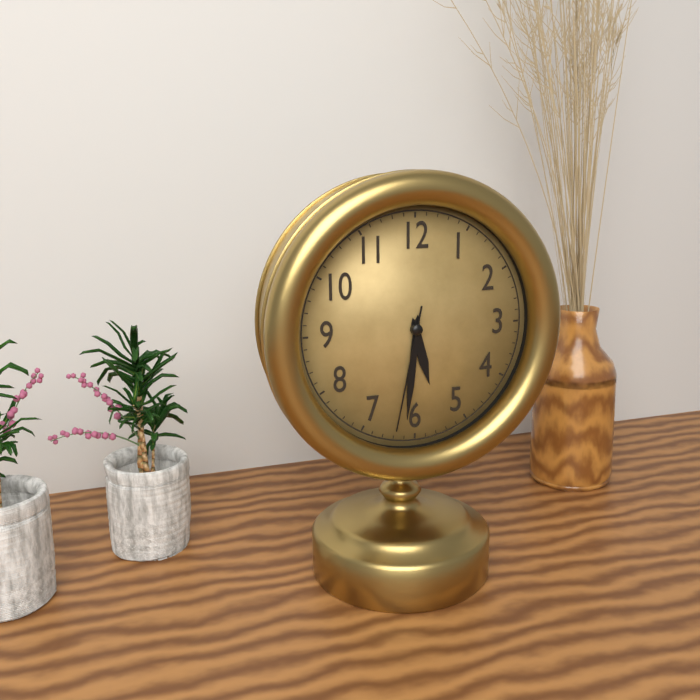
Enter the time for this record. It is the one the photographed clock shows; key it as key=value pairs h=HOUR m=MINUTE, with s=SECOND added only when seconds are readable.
h=5 m=31 s=32
